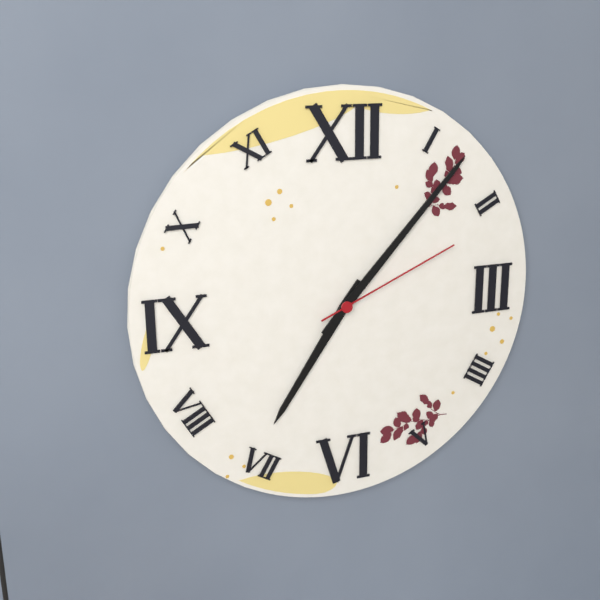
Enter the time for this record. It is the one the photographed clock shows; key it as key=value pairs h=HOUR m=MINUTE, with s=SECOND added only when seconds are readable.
h=7 m=7 s=11
